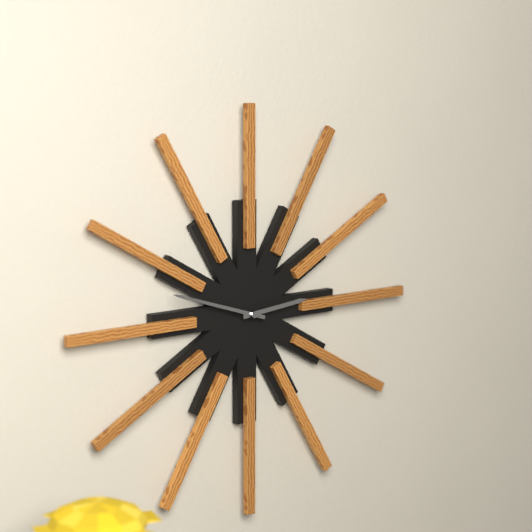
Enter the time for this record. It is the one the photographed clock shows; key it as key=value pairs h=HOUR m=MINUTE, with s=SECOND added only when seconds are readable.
h=2 m=48
